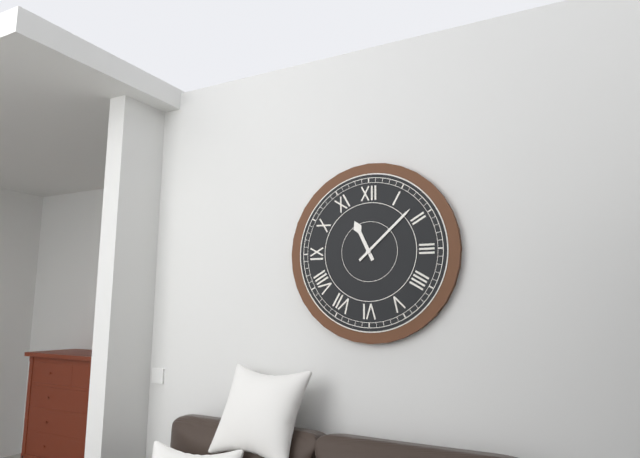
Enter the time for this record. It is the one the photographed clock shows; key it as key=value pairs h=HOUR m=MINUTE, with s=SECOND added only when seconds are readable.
h=11 m=8
